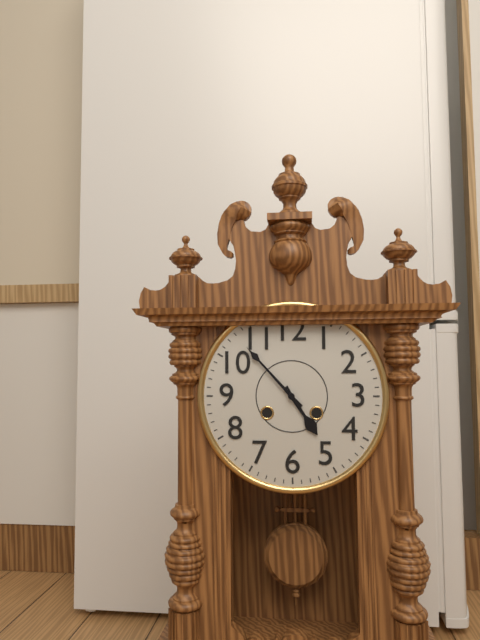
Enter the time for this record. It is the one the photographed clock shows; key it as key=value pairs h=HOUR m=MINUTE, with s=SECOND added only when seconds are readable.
h=4 m=53
